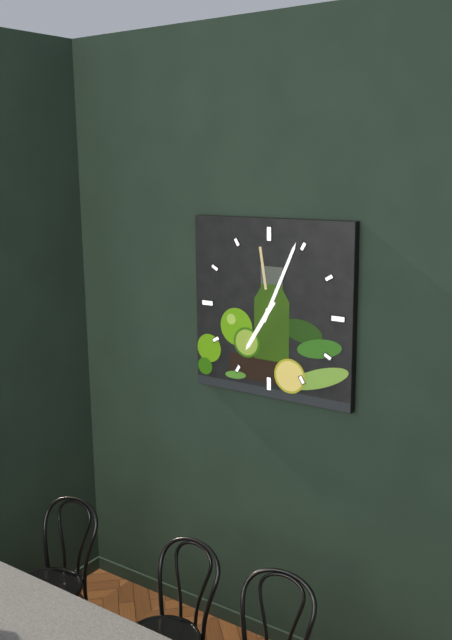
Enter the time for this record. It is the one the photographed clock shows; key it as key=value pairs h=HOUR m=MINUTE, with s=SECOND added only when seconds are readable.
h=7 m=4
